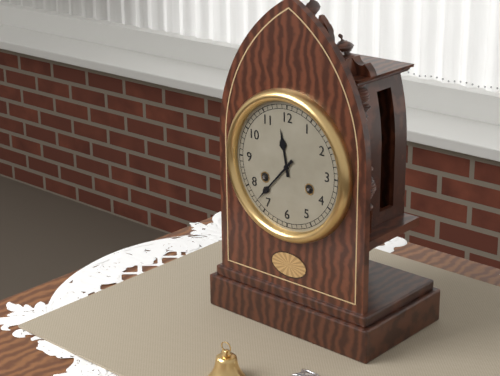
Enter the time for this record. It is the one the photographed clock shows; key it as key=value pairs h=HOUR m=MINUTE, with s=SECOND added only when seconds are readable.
h=11 m=37
